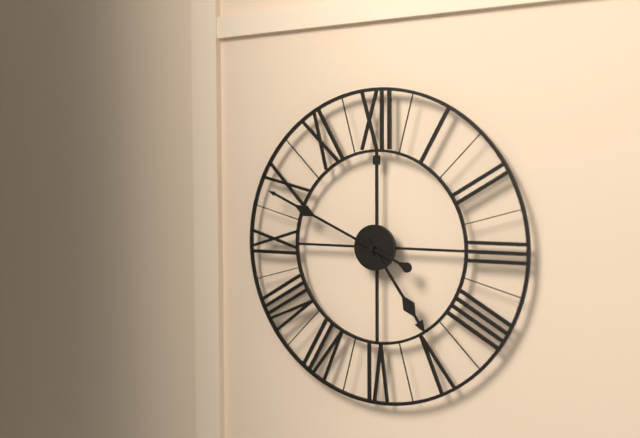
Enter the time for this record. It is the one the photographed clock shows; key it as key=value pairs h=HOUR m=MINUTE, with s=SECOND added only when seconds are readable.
h=4 m=49
